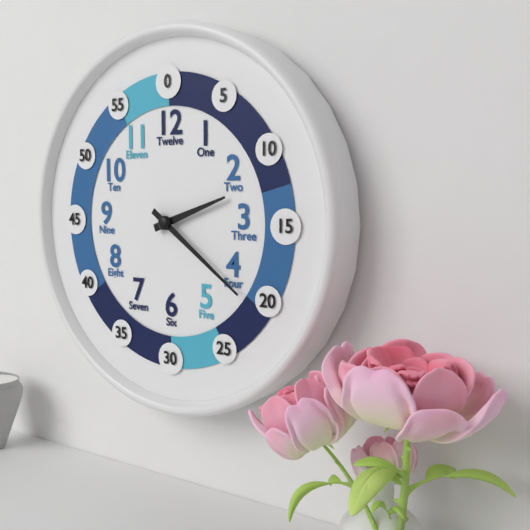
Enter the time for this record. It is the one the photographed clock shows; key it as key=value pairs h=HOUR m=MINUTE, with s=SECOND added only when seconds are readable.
h=2 m=21
